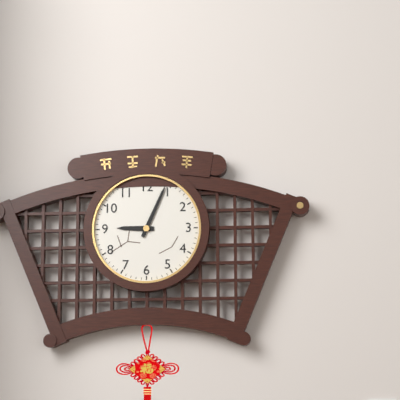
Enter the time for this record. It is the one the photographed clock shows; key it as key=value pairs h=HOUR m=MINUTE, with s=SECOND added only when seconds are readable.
h=9 m=4
